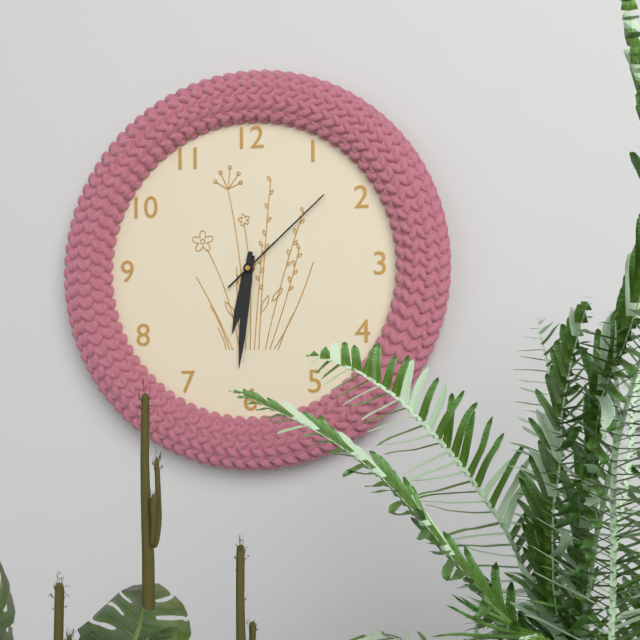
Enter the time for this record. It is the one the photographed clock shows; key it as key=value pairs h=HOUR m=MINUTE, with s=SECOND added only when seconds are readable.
h=6 m=31 s=8
